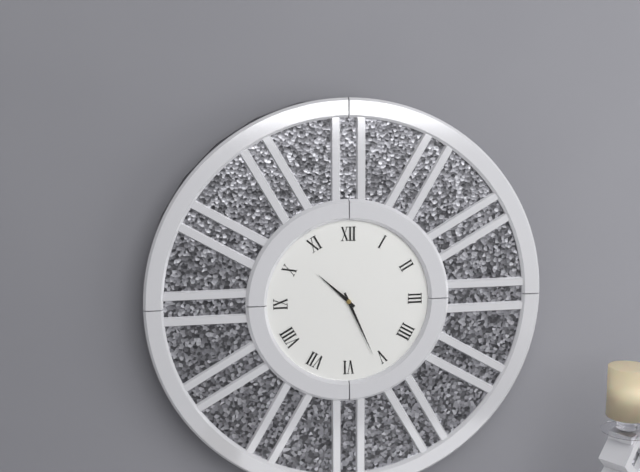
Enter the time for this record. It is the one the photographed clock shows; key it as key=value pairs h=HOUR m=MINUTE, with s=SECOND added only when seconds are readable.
h=10 m=26
